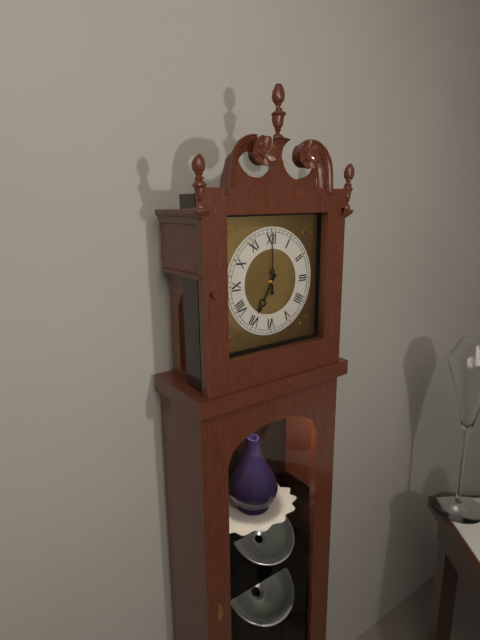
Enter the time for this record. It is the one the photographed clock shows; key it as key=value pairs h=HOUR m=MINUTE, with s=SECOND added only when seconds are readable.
h=7 m=0
